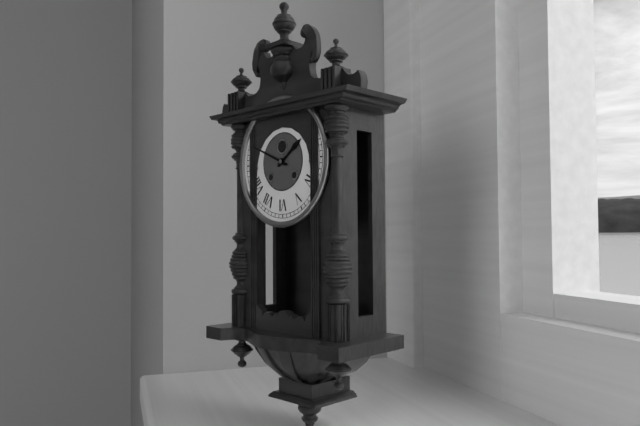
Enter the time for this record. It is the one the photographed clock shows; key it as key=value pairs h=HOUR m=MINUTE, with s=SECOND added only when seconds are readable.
h=1 m=49
